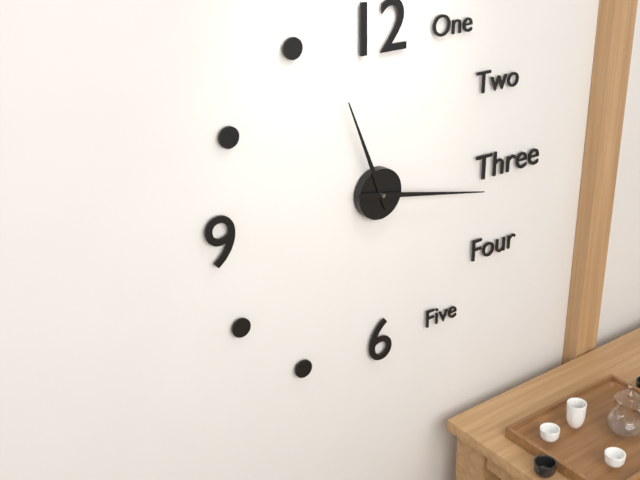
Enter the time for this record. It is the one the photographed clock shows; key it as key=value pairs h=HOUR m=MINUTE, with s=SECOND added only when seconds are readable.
h=11 m=17
